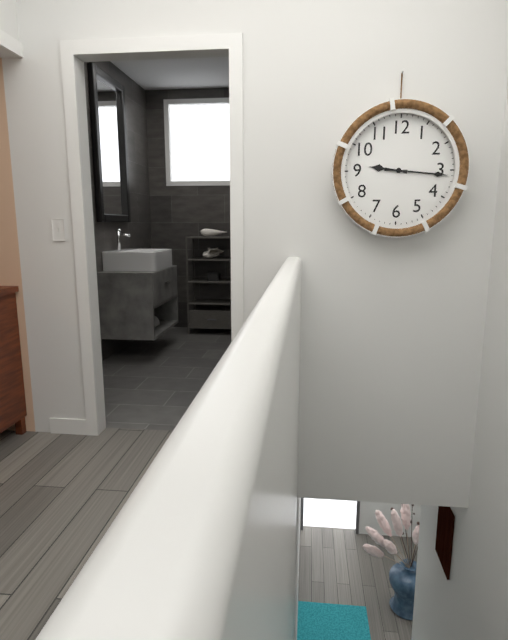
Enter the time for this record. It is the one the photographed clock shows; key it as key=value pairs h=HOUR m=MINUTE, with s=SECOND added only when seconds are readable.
h=9 m=16
